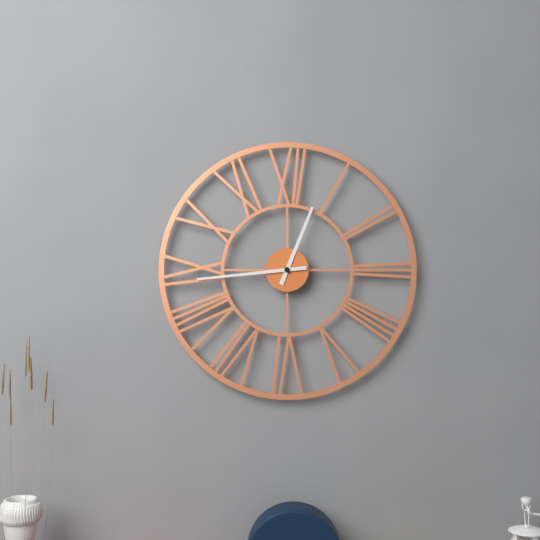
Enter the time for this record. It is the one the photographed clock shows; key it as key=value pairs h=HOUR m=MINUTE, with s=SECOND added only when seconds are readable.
h=12 m=44
